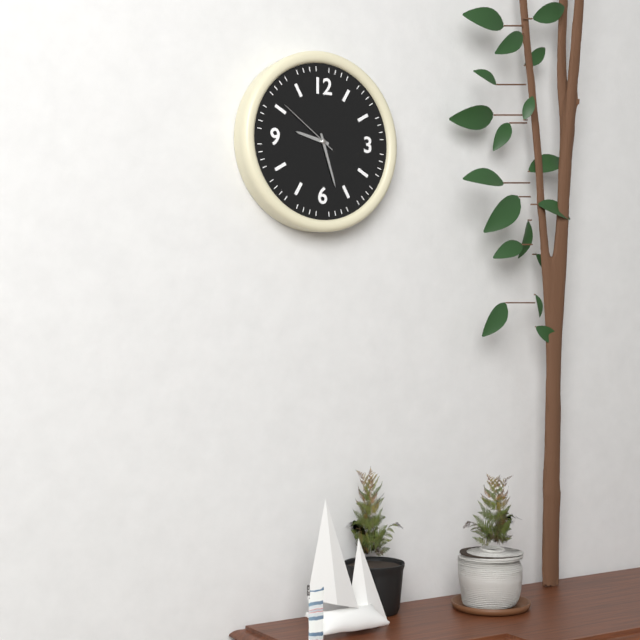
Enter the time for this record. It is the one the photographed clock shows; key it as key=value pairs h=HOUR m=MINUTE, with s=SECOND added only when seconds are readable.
h=9 m=27 s=51
